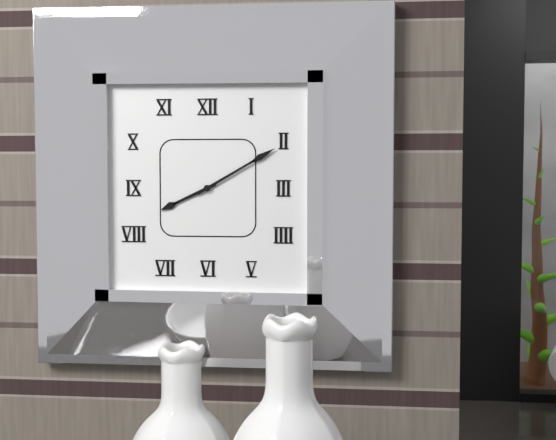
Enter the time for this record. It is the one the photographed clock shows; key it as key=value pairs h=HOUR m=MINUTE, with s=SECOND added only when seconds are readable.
h=8 m=10
